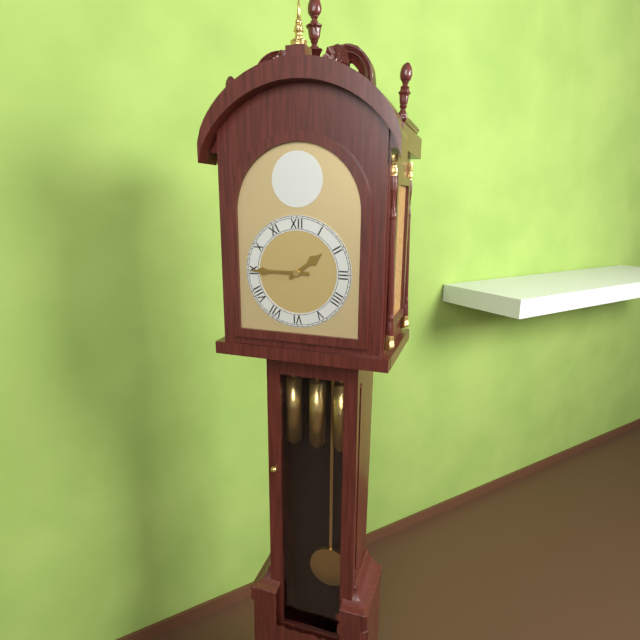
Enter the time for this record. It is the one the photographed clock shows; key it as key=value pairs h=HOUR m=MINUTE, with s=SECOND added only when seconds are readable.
h=1 m=45
